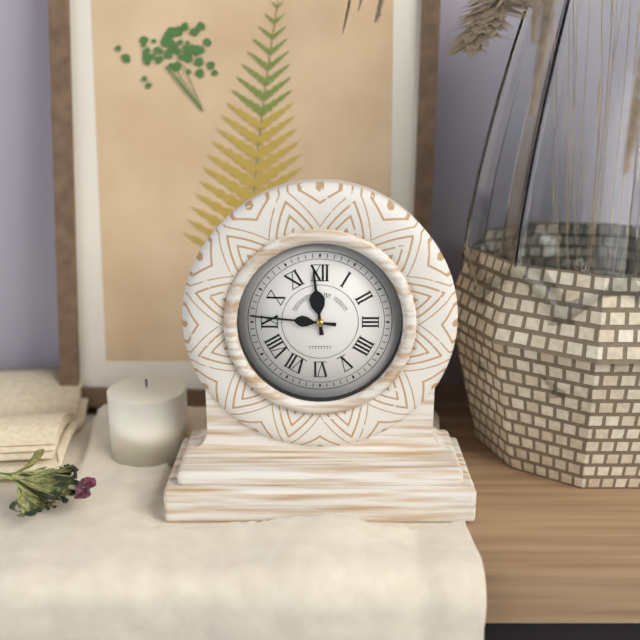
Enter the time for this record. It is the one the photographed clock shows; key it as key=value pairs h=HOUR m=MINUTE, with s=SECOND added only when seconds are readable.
h=11 m=46
